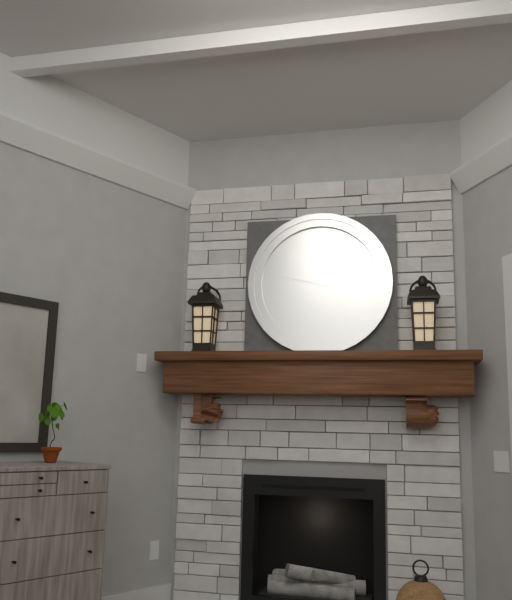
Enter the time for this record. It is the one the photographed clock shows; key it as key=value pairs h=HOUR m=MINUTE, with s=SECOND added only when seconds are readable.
h=10 m=47
